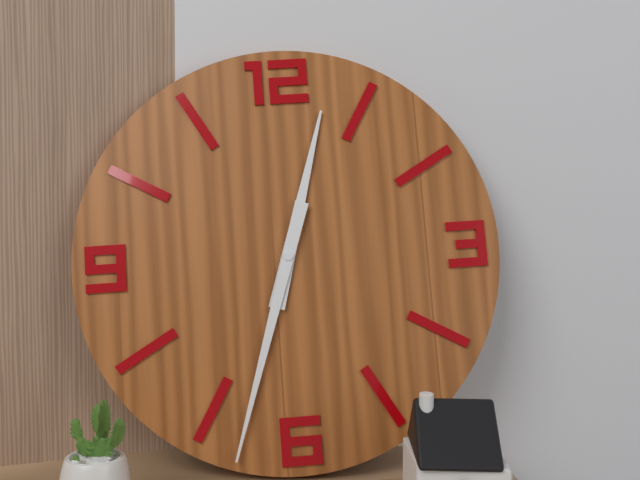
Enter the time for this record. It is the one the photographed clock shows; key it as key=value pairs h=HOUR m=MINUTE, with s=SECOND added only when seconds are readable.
h=12 m=33
